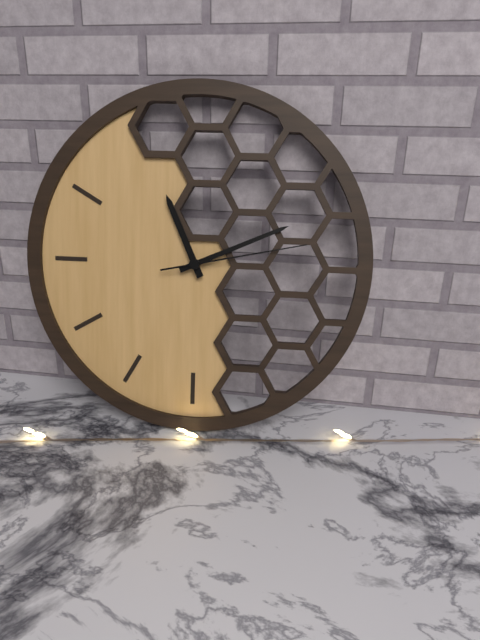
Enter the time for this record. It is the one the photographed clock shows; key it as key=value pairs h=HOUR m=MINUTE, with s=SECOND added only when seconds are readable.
h=11 m=11 s=13
